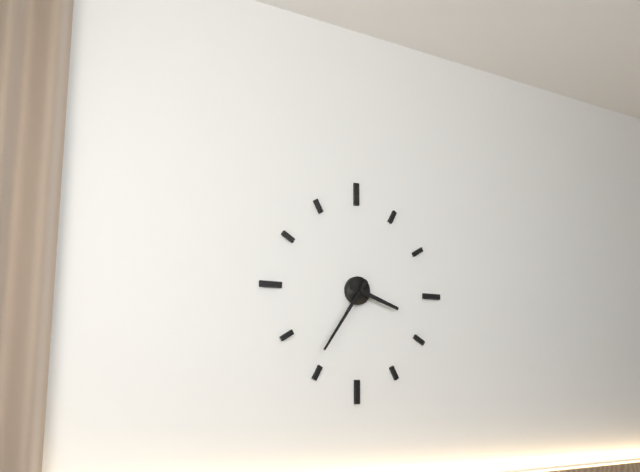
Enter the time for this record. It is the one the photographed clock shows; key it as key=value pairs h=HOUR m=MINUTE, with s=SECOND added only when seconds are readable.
h=3 m=36
